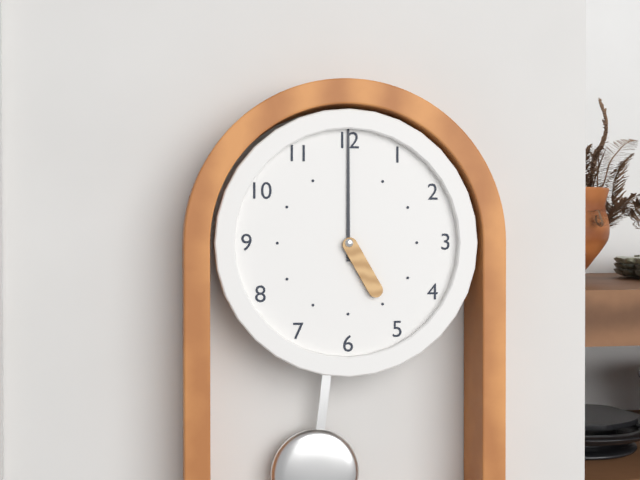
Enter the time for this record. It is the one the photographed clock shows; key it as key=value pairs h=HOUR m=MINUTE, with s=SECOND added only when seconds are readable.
h=5 m=0
